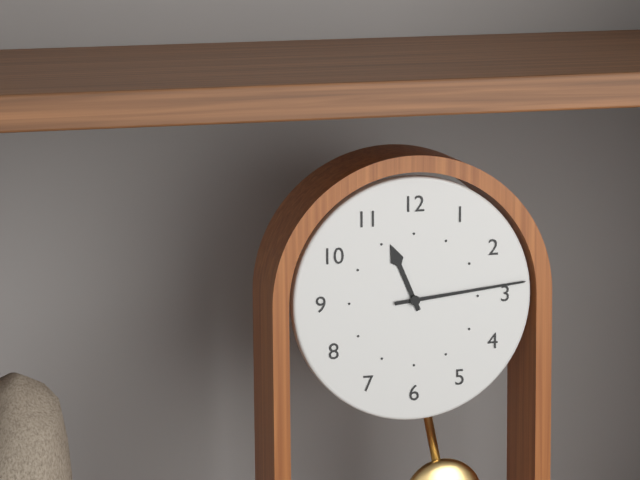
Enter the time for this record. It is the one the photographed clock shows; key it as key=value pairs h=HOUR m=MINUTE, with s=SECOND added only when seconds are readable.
h=11 m=14
